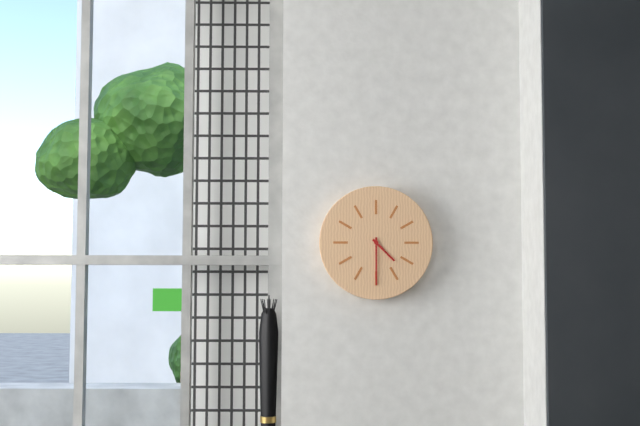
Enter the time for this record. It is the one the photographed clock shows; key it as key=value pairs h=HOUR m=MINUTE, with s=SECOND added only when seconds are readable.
h=4 m=30
